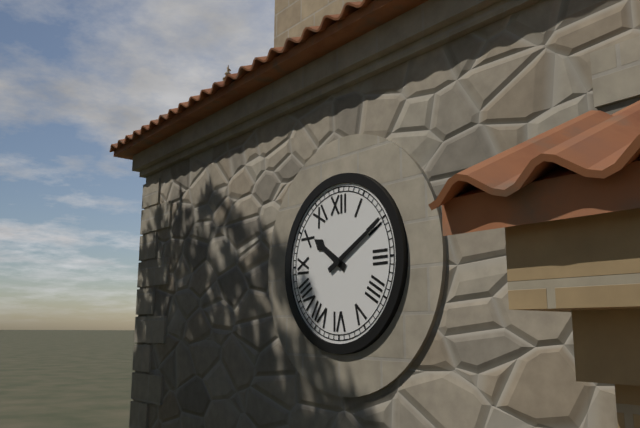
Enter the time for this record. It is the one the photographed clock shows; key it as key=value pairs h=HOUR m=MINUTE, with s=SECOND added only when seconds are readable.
h=10 m=10
